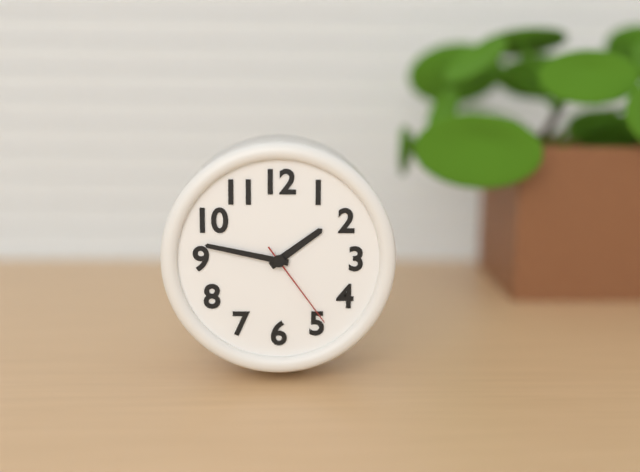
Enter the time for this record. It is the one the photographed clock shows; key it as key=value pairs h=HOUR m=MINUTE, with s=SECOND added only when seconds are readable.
h=1 m=47 s=24
